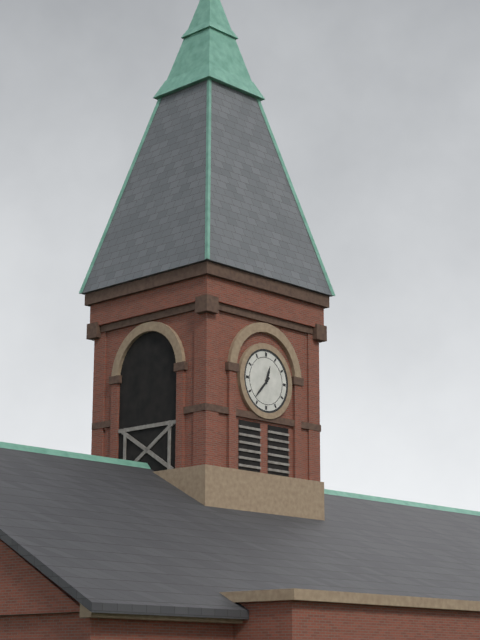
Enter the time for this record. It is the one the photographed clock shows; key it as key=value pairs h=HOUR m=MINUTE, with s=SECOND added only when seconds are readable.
h=12 m=37
